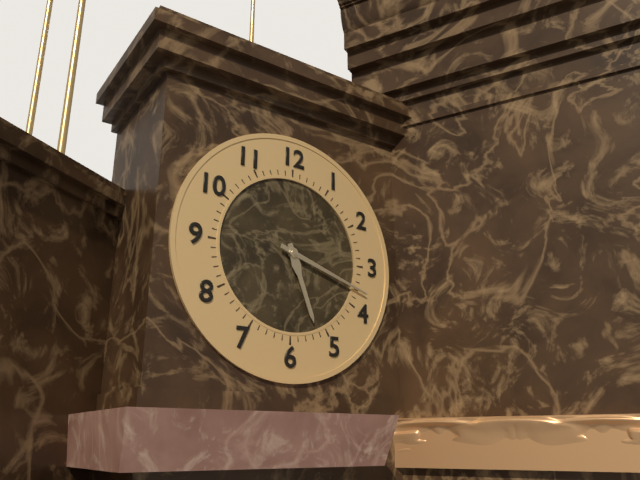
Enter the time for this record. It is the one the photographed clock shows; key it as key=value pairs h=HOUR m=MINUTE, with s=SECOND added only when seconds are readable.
h=5 m=18
